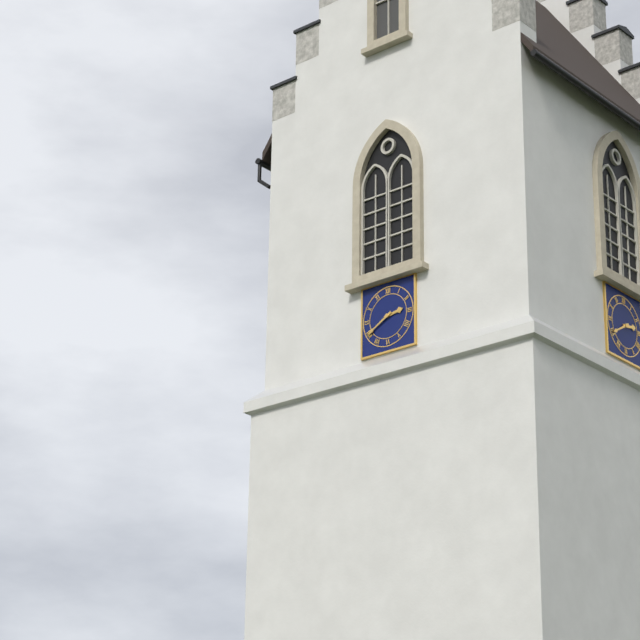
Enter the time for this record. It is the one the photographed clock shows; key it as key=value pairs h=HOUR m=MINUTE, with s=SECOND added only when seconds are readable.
h=2 m=40
